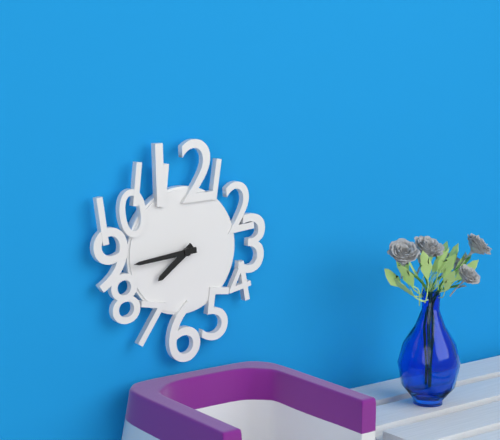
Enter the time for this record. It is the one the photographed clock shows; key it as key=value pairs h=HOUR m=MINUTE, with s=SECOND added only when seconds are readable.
h=7 m=44
